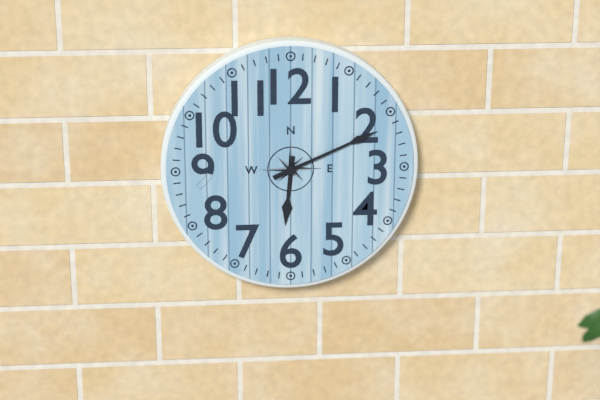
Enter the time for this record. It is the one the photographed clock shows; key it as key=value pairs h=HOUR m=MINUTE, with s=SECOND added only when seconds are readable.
h=6 m=11
